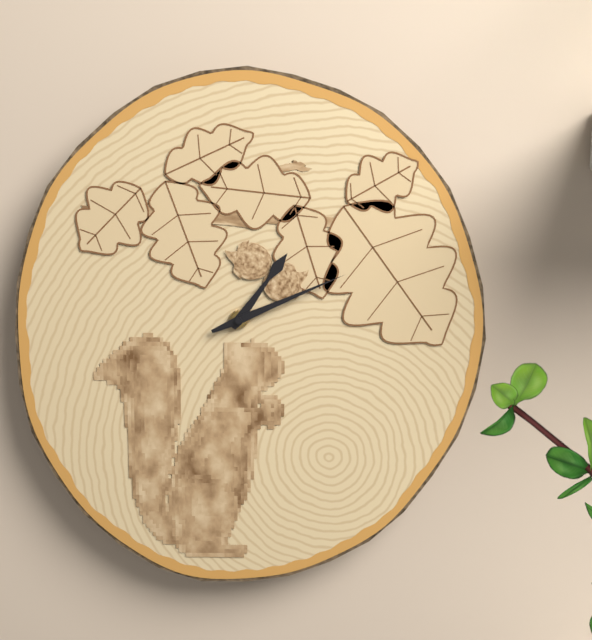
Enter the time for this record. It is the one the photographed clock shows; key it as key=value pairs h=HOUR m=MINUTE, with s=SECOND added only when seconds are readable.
h=1 m=11
